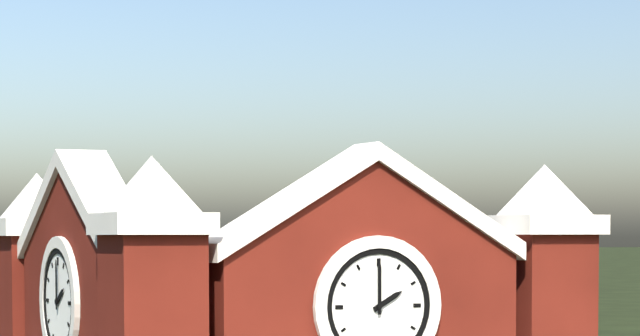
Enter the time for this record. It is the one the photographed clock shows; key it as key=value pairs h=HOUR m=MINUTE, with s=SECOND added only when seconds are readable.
h=2 m=0
